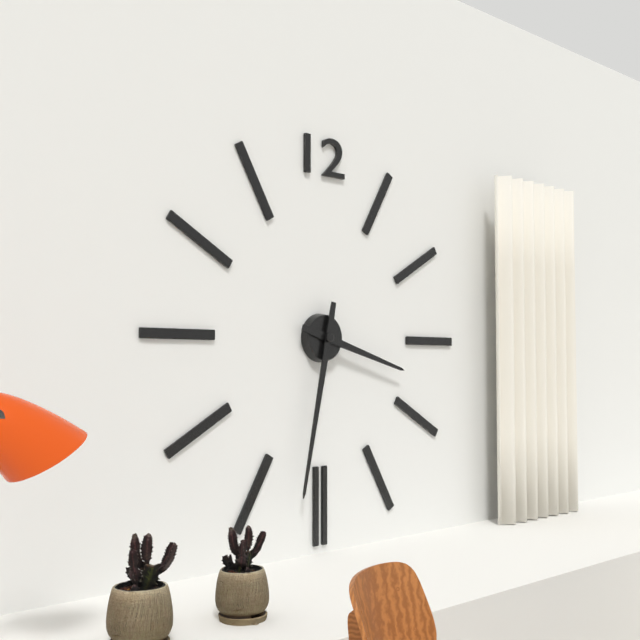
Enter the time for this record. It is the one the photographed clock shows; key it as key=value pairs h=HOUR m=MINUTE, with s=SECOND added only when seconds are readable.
h=3 m=32
